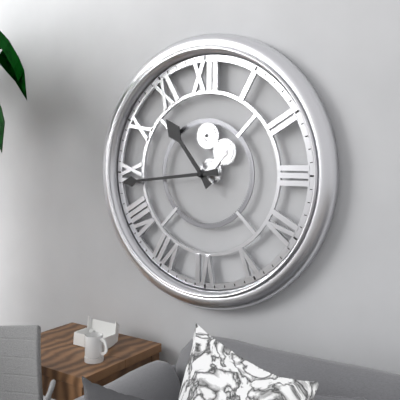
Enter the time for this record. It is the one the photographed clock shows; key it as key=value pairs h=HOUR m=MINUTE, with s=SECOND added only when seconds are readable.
h=10 m=44
